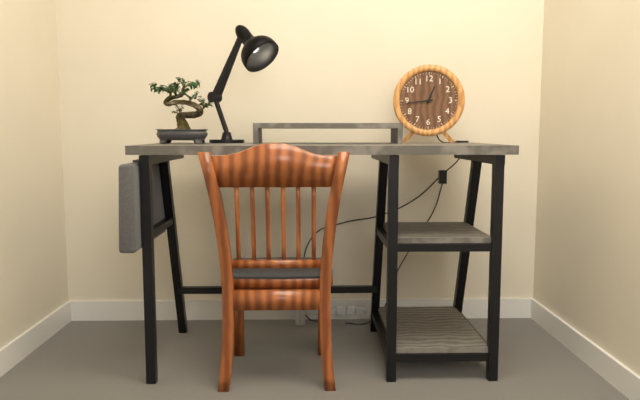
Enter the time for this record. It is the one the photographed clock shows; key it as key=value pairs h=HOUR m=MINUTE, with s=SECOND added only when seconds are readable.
h=12 m=44
